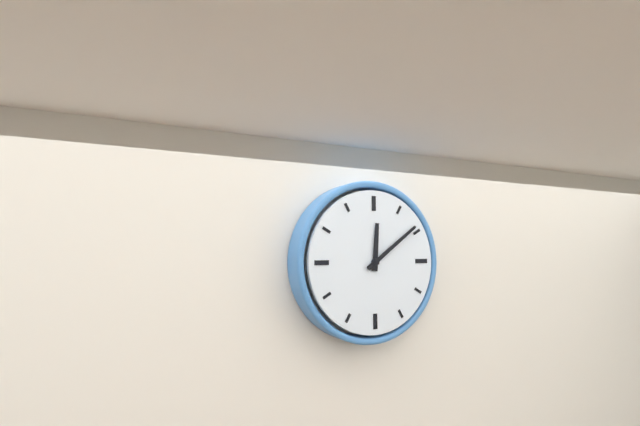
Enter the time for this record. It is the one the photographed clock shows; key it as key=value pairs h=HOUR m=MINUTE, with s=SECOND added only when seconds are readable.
h=12 m=9
